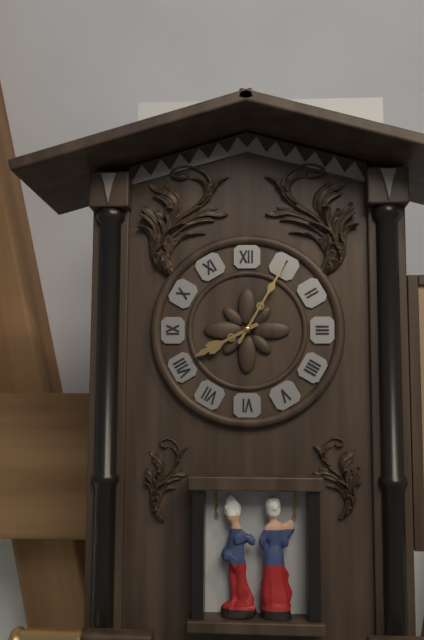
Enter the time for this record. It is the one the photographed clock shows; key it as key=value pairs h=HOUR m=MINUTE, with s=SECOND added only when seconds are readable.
h=8 m=5
